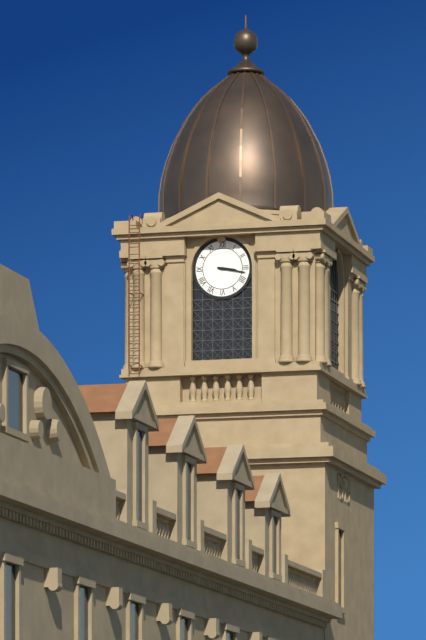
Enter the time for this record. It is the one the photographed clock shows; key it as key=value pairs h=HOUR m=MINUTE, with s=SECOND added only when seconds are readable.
h=3 m=17
